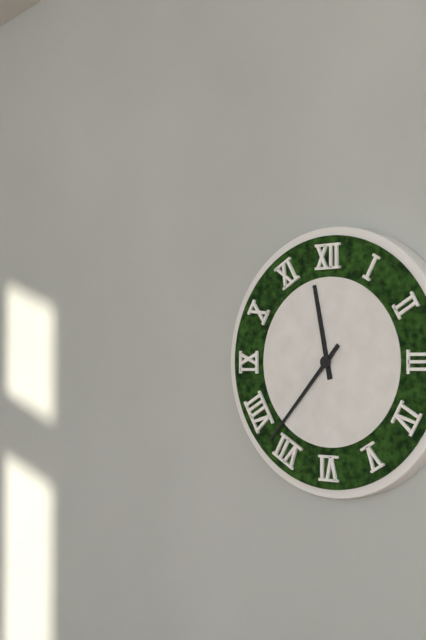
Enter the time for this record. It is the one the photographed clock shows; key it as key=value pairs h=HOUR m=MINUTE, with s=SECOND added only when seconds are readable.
h=11 m=37
